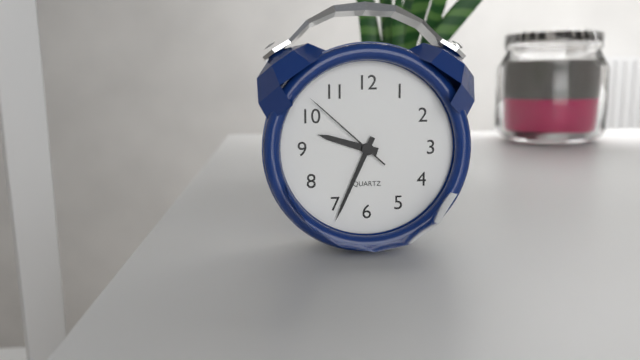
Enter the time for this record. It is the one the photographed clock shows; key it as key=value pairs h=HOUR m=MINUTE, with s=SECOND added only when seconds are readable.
h=9 m=34 s=52
